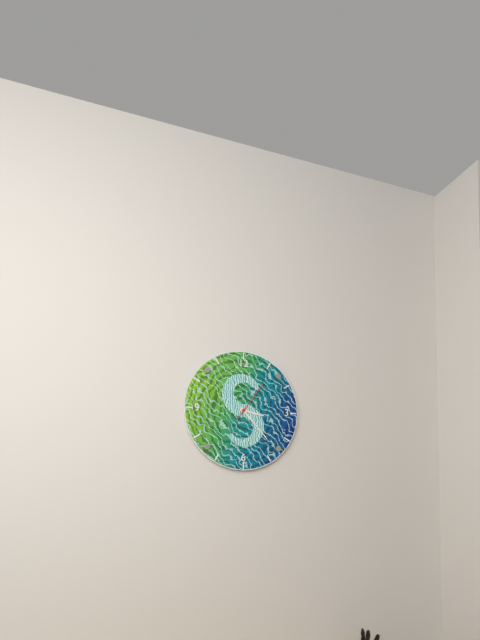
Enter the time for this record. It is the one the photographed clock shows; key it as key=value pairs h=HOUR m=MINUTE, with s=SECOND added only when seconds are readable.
h=3 m=23
